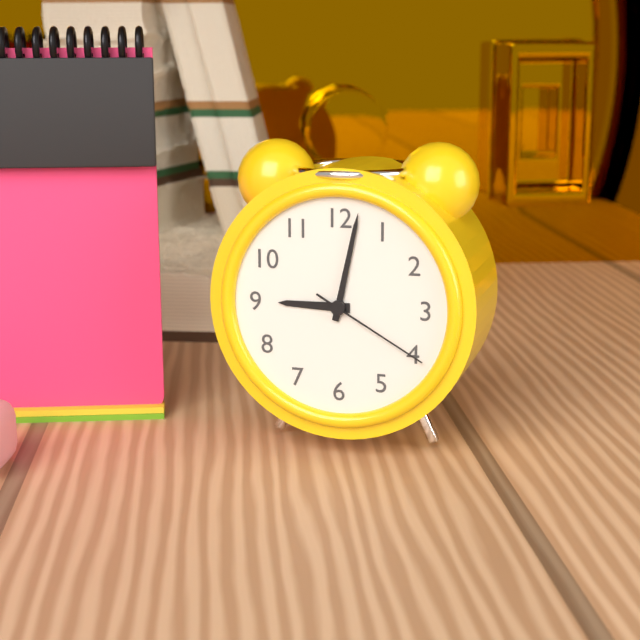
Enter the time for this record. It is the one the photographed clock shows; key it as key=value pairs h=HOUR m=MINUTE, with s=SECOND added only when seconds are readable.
h=9 m=2 s=20
